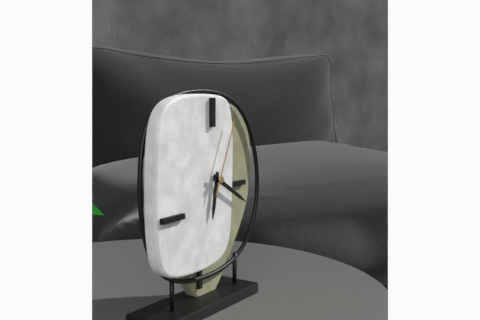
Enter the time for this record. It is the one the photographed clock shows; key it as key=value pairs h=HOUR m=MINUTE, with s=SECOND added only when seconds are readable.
h=6 m=20 s=4
